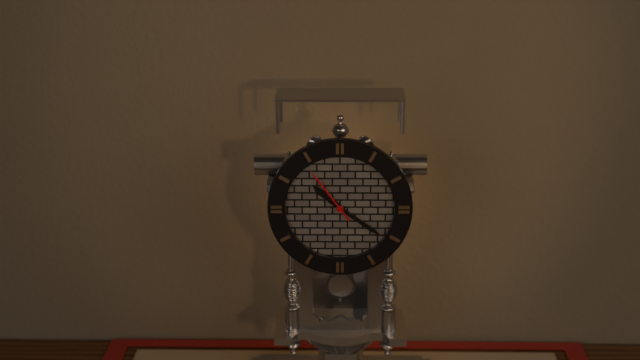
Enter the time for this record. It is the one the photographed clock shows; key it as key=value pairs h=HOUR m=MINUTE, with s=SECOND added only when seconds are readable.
h=10 m=21 s=54
